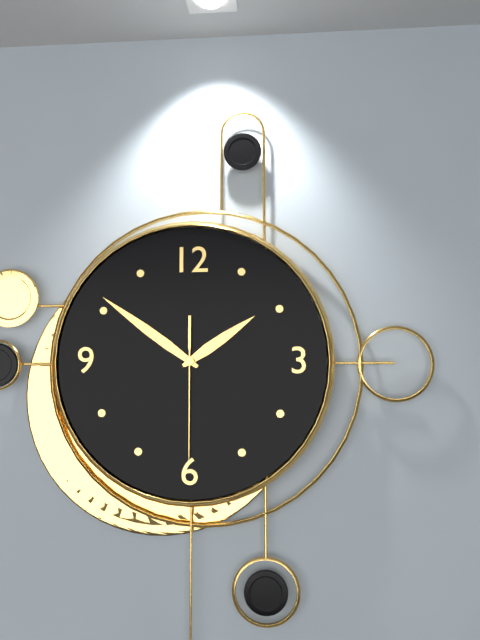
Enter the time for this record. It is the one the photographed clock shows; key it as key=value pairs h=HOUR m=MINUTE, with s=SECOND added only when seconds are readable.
h=1 m=51 s=30
